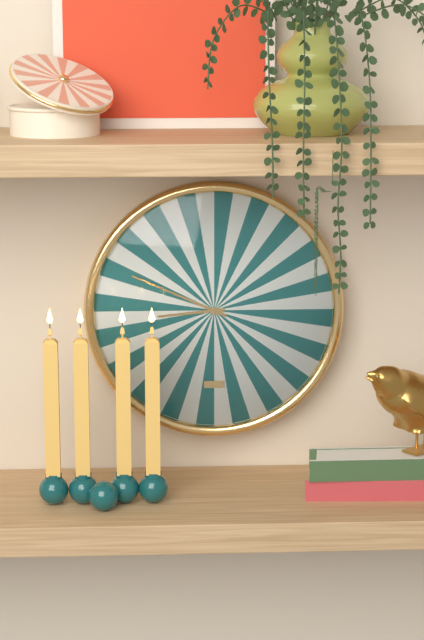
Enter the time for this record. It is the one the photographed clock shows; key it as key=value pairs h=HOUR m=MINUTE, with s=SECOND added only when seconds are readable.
h=8 m=49
